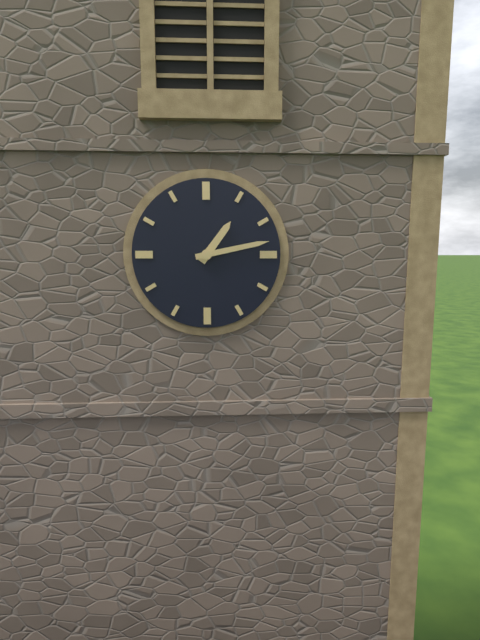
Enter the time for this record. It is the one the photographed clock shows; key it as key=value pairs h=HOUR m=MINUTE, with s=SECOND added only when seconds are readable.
h=1 m=13
